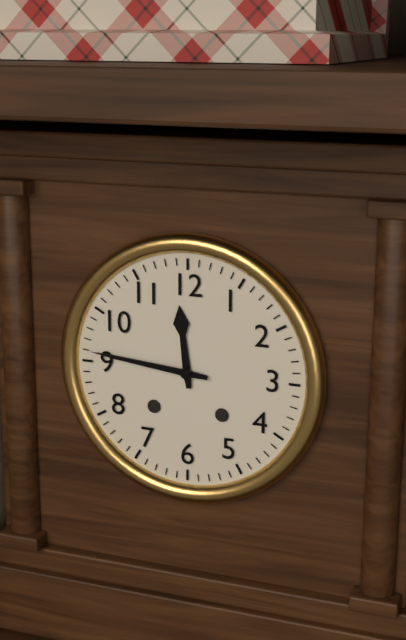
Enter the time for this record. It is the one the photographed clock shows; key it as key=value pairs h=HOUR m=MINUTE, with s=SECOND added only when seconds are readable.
h=11 m=46
